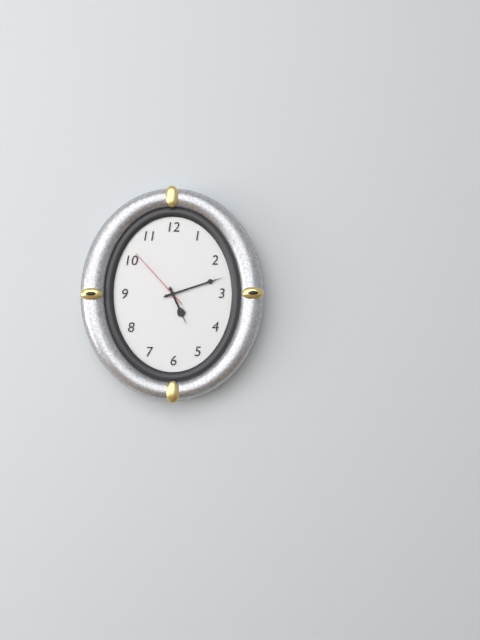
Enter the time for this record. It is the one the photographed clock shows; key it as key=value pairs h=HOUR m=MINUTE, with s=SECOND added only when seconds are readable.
h=5 m=12 s=53
